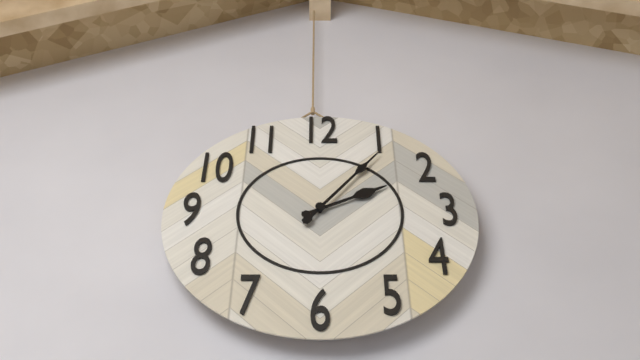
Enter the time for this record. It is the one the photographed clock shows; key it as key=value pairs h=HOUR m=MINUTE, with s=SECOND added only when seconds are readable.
h=2 m=6
